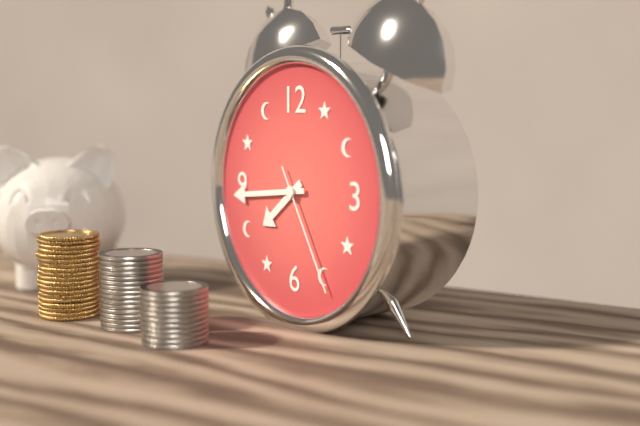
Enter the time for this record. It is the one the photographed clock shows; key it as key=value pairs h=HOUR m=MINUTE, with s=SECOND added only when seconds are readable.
h=7 m=44 s=25
